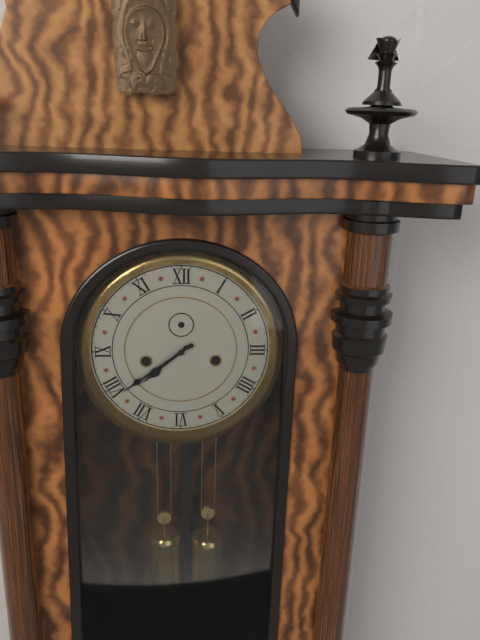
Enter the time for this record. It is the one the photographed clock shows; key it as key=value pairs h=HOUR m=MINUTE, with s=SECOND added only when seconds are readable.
h=7 m=39
